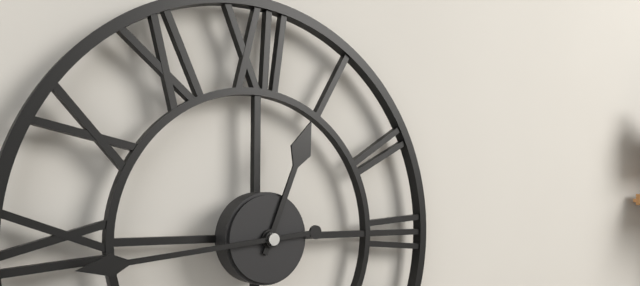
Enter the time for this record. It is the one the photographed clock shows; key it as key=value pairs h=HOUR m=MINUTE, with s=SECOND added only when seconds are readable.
h=12 m=44
